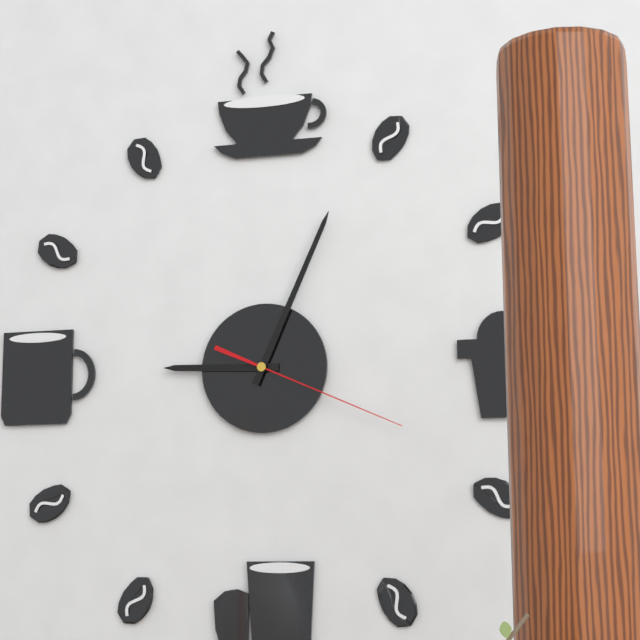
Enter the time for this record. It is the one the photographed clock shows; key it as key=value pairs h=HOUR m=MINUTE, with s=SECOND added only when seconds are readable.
h=9 m=4 s=19
